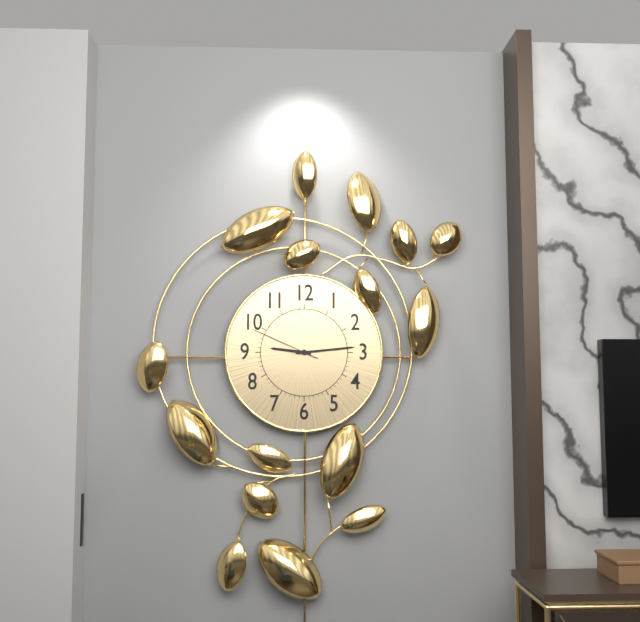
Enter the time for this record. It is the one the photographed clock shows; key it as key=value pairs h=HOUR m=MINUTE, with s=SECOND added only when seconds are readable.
h=9 m=14 s=49
